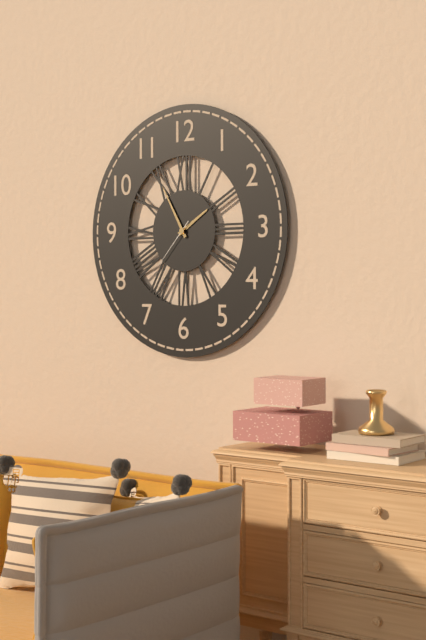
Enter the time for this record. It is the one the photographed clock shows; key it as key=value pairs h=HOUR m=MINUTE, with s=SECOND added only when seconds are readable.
h=1 m=55 s=37
